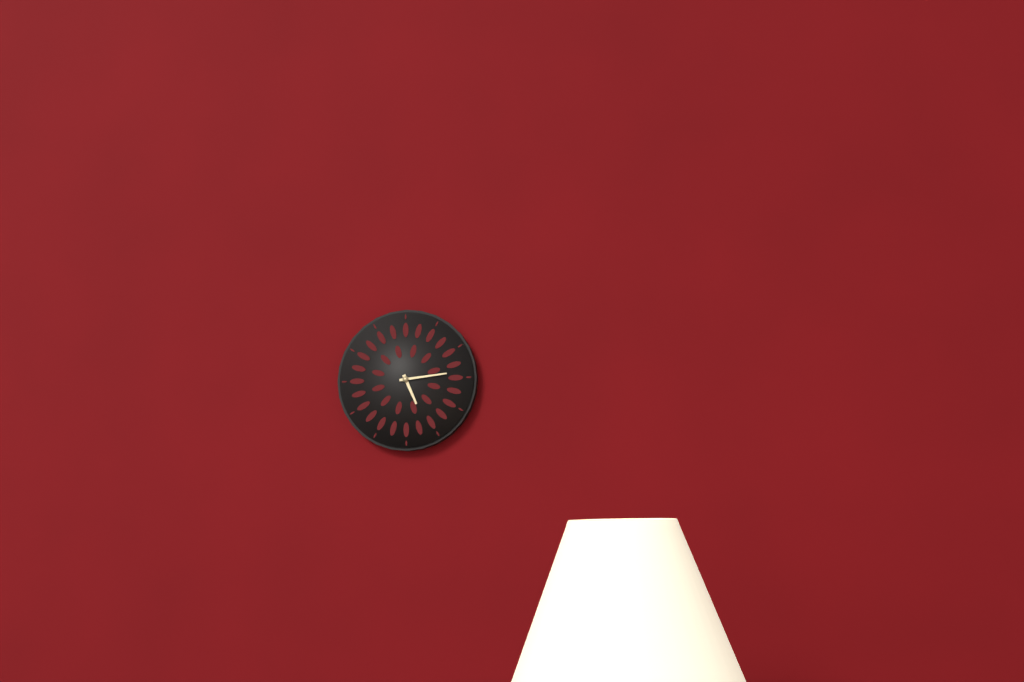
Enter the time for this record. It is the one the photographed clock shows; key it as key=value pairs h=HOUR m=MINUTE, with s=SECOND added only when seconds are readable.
h=5 m=14
